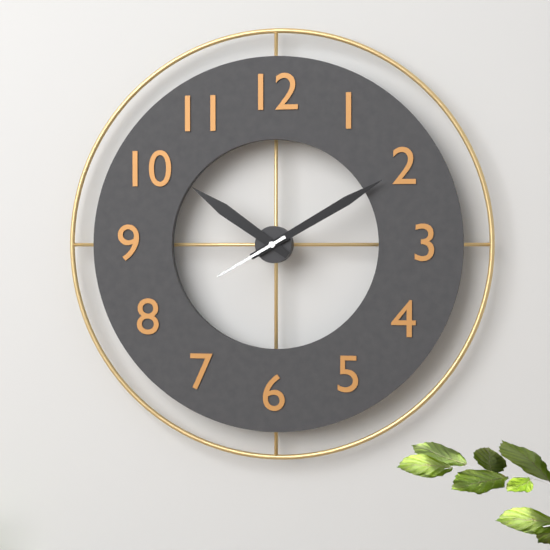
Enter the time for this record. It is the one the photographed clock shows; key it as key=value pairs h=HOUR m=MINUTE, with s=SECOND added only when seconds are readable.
h=10 m=10 s=40
